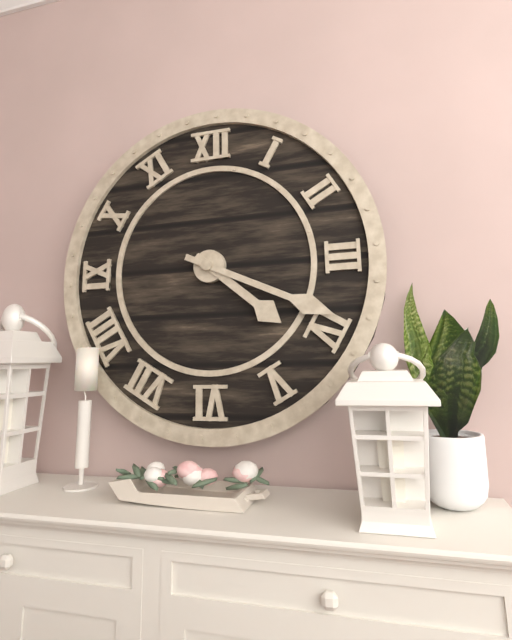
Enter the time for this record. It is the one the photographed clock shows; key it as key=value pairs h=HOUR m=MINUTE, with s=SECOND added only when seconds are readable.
h=4 m=19
